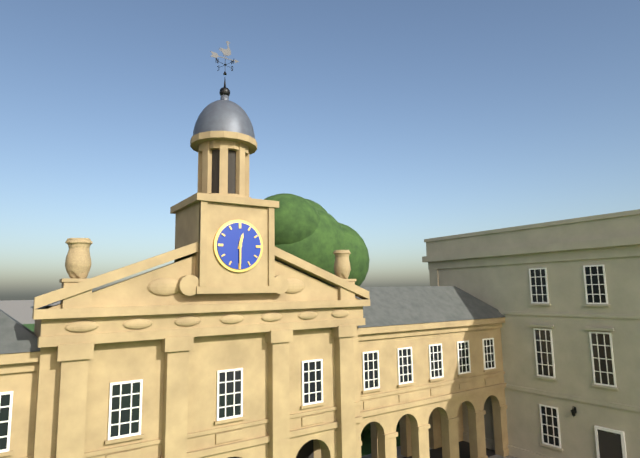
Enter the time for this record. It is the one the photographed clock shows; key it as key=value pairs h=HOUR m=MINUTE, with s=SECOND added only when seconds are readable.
h=12 m=30
